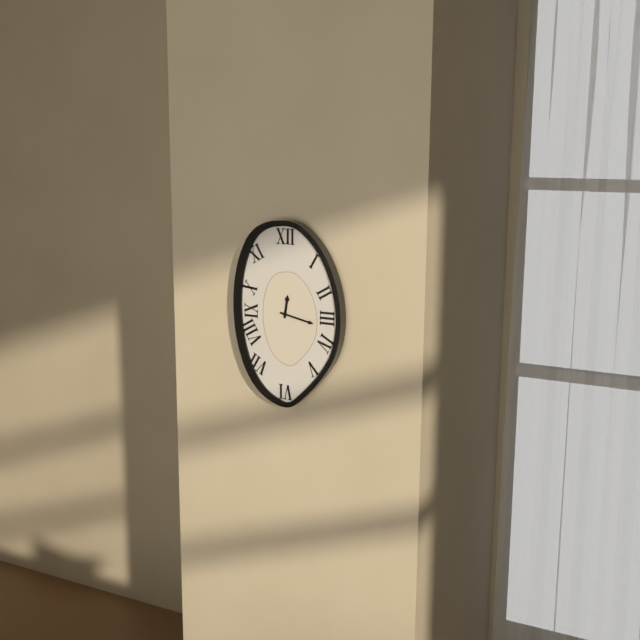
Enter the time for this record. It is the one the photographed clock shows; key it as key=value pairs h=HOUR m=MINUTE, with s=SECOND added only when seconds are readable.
h=12 m=17
